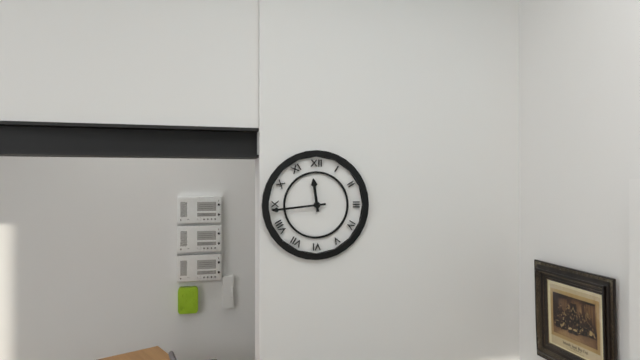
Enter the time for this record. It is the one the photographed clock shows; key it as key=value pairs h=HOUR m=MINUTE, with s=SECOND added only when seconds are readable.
h=11 m=44
